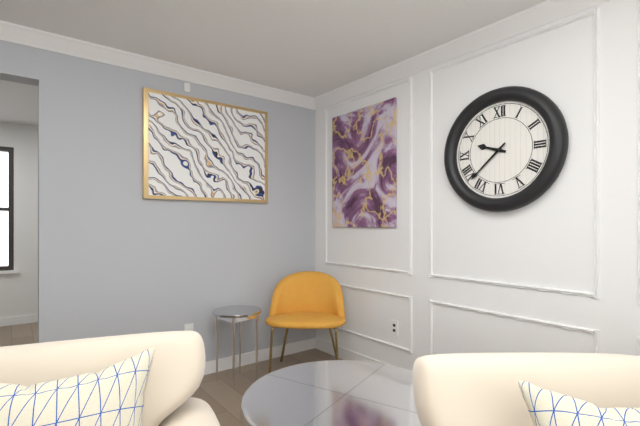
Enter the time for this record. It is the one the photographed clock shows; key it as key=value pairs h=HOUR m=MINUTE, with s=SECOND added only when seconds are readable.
h=9 m=38
